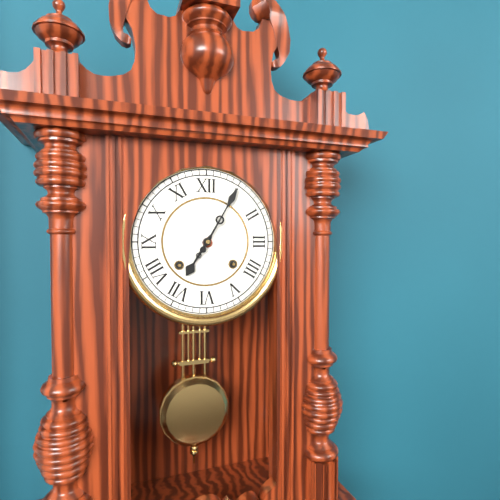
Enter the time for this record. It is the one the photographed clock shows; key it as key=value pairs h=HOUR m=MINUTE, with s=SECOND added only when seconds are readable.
h=7 m=5
